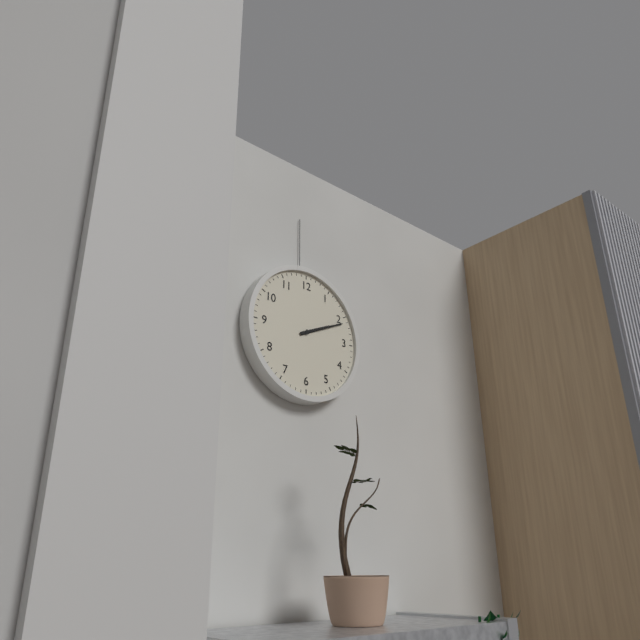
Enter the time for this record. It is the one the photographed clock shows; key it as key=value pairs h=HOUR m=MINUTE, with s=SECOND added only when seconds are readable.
h=2 m=11
